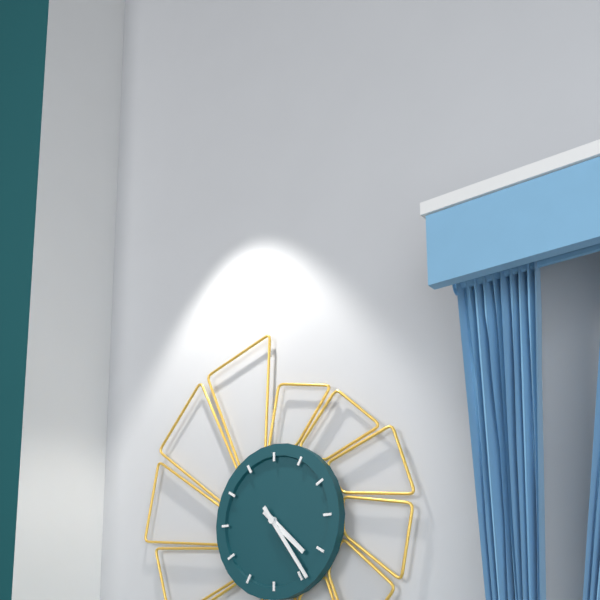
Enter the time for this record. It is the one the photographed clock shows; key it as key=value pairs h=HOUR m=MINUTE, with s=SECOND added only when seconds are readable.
h=4 m=24
